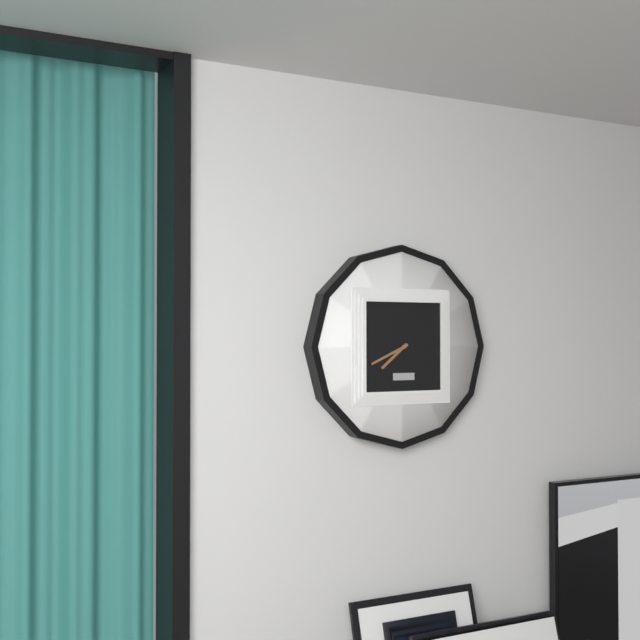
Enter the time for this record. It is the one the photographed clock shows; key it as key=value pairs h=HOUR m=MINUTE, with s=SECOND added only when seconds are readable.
h=7 m=41
